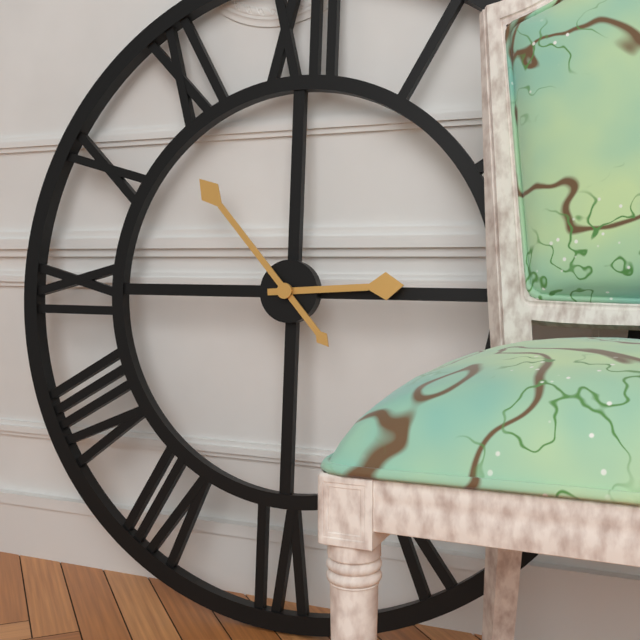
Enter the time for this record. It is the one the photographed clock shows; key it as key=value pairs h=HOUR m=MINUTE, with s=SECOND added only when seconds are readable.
h=2 m=53
